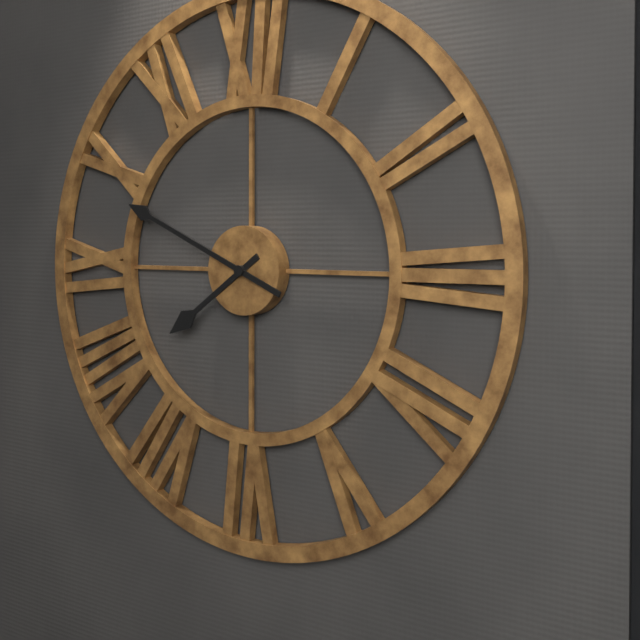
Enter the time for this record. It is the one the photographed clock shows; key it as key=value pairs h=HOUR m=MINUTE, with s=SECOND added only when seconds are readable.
h=7 m=49
